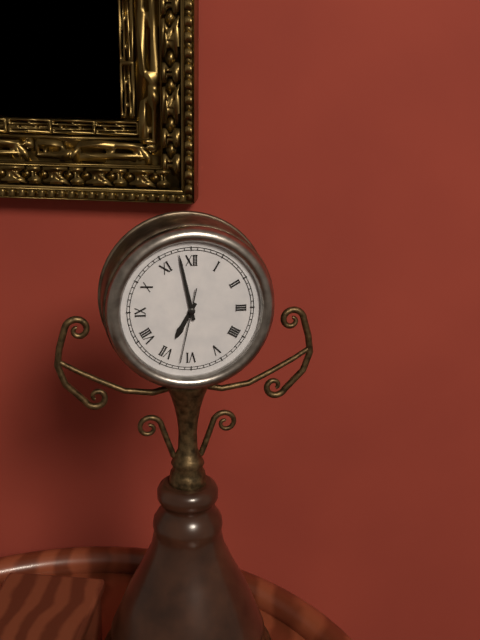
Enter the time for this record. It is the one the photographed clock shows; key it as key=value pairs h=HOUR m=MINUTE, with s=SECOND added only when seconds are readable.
h=6 m=58 s=32
